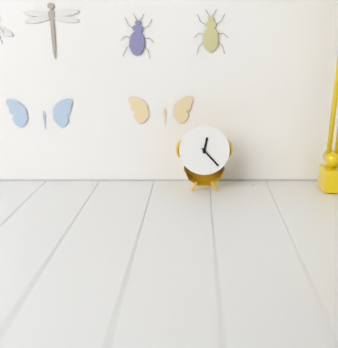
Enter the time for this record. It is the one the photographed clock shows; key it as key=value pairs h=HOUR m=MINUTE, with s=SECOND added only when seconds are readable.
h=12 m=23
